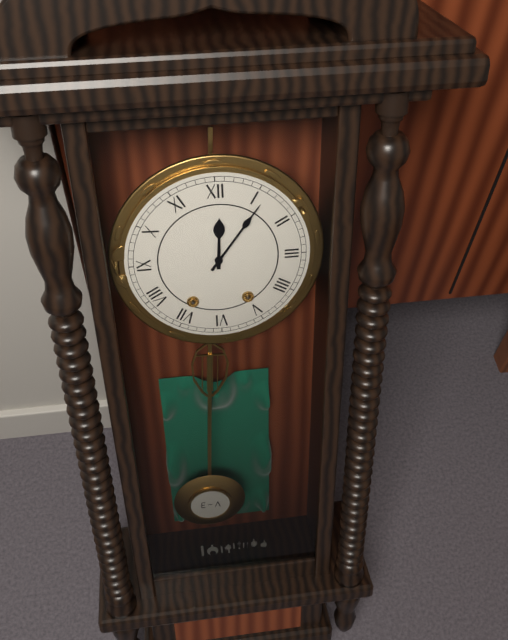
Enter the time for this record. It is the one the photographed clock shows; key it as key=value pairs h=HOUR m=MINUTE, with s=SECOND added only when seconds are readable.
h=12 m=6
